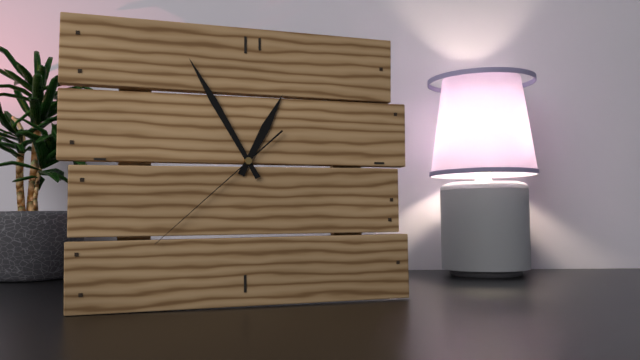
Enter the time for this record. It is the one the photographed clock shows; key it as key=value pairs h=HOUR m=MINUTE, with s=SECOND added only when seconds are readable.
h=12 m=55 s=38
